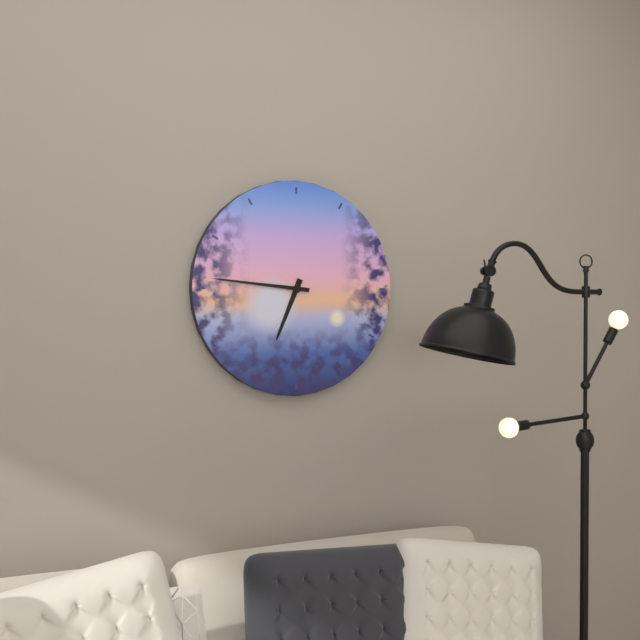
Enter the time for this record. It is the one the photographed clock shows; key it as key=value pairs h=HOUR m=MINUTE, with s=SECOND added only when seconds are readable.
h=6 m=46
